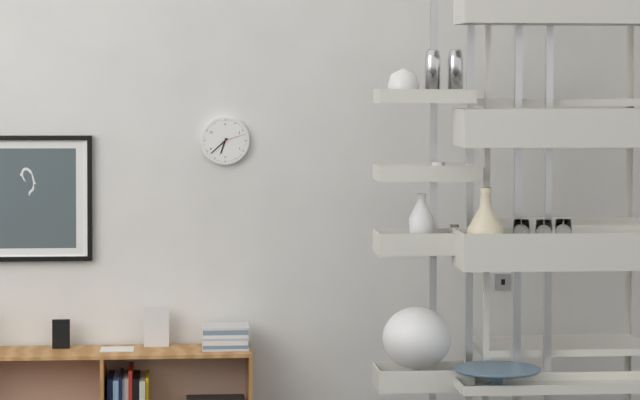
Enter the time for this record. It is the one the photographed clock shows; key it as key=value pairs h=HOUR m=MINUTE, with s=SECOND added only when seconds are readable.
h=6 m=38
